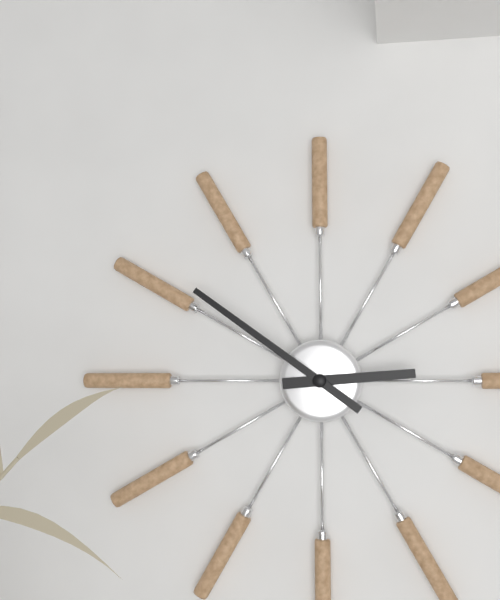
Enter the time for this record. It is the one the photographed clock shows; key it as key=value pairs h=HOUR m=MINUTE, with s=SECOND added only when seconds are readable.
h=2 m=51
